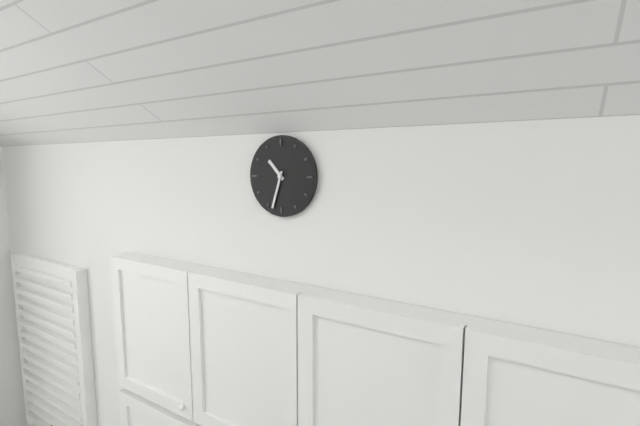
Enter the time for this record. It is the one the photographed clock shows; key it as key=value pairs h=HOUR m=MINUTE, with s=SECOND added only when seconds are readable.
h=10 m=33
